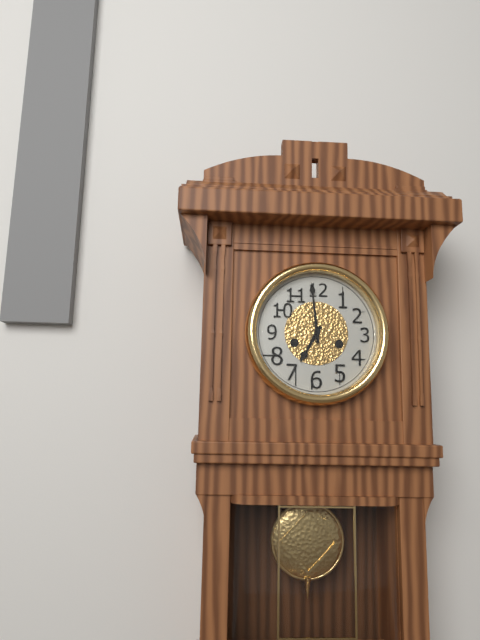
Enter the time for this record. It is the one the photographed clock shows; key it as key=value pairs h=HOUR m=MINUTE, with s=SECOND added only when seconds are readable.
h=6 m=59
